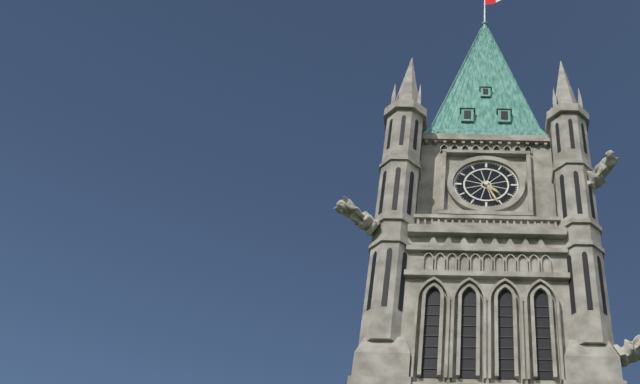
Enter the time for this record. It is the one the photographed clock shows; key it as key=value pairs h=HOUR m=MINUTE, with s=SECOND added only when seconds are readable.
h=4 m=26
